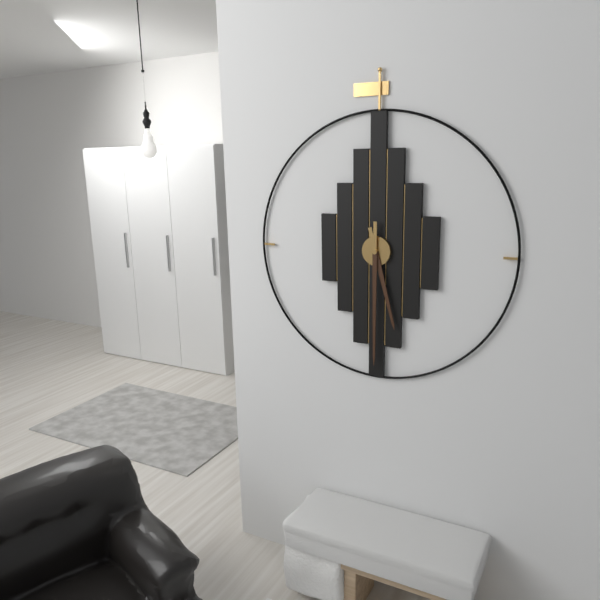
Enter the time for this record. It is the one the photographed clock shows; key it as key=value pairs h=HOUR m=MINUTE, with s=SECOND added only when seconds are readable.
h=5 m=30
